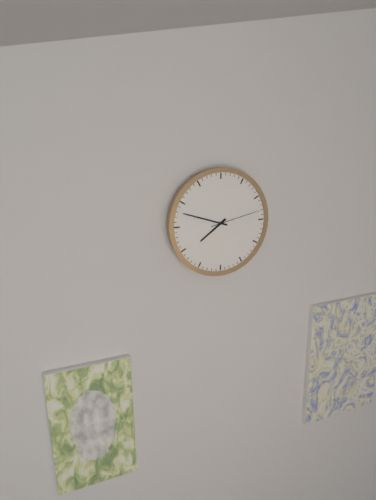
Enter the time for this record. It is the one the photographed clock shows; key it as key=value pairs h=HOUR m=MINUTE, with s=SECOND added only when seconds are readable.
h=7 m=48 s=13
